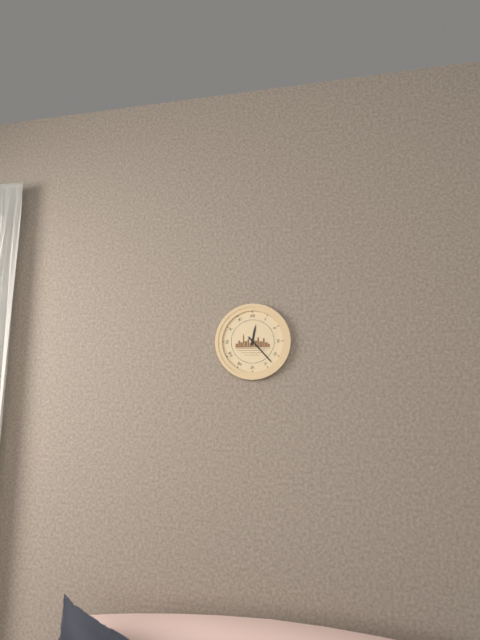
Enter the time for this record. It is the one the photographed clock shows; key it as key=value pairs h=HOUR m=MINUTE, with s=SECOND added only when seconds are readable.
h=12 m=23
